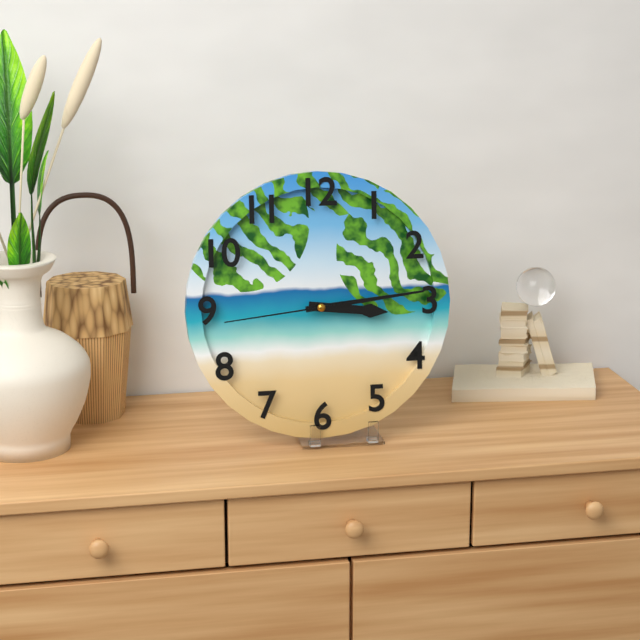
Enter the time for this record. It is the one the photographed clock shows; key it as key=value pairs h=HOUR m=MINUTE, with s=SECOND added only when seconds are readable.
h=3 m=14 s=44
